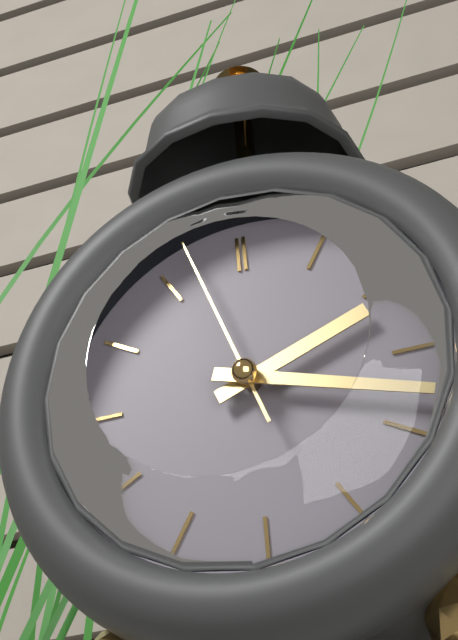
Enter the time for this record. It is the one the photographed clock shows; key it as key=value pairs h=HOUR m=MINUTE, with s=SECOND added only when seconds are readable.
h=2 m=18 s=57
